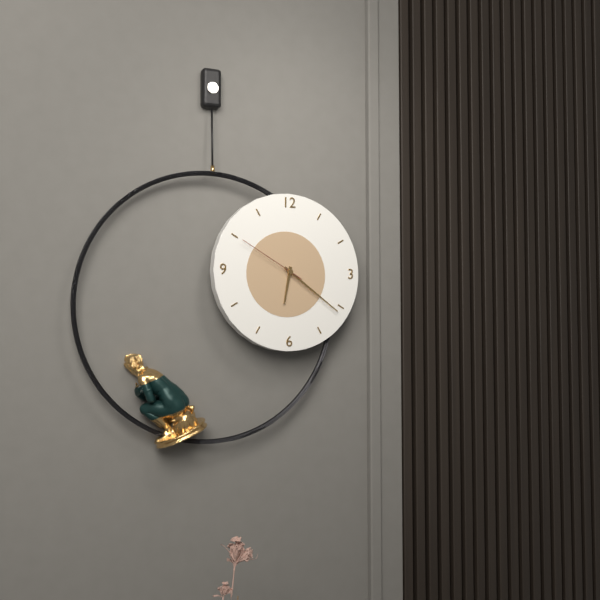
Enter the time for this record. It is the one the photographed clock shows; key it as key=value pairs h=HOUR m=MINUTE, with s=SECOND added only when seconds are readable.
h=6 m=21 s=50
